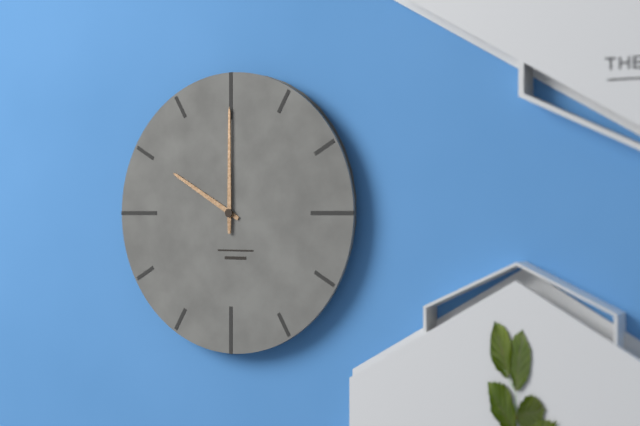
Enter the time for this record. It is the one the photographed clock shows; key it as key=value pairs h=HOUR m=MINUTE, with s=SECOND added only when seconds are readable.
h=10 m=0
